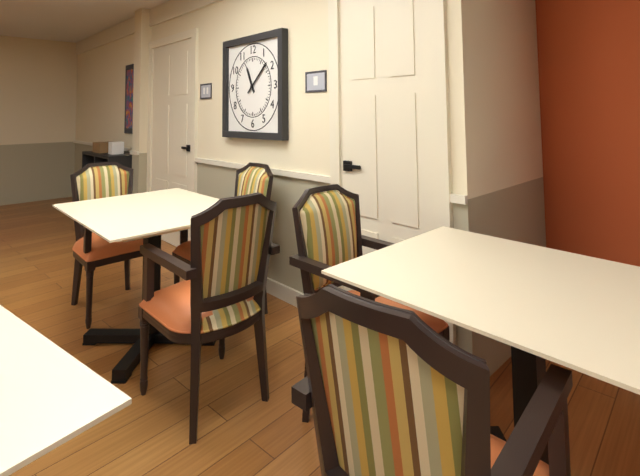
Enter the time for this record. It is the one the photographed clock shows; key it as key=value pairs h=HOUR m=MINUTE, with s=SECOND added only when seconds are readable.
h=11 m=8
